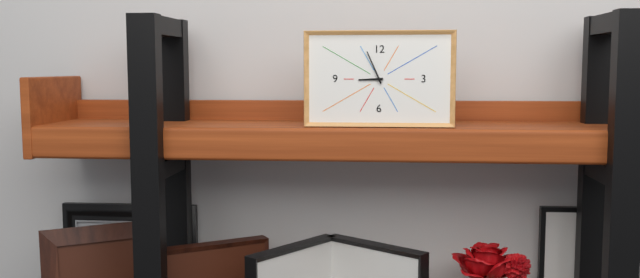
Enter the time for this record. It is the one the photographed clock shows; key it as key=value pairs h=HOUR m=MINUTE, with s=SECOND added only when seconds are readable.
h=8 m=56
